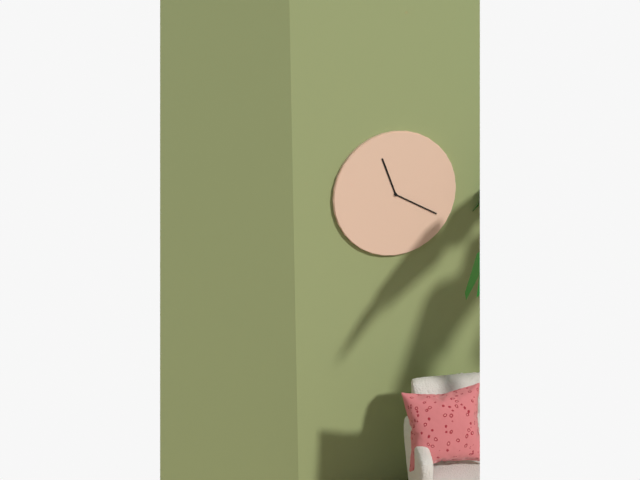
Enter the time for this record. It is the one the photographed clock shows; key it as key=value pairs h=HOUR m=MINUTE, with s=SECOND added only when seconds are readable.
h=11 m=20
